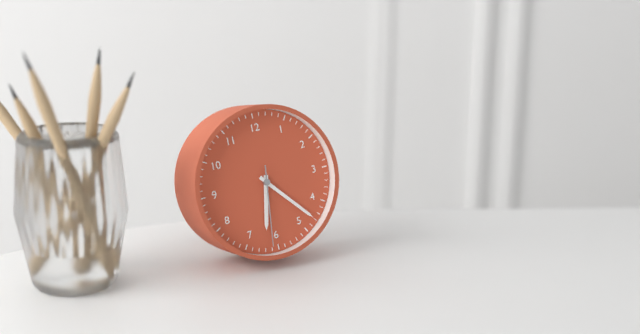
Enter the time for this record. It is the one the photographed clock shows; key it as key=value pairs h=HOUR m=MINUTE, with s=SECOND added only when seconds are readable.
h=6 m=23 s=31
